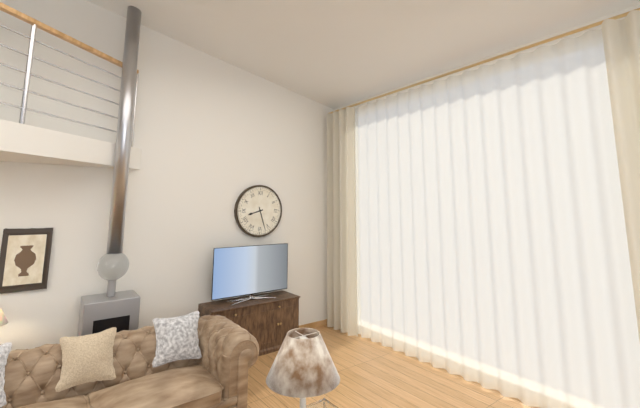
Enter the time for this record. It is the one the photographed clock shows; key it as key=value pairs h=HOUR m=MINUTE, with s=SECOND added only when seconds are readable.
h=8 m=27
